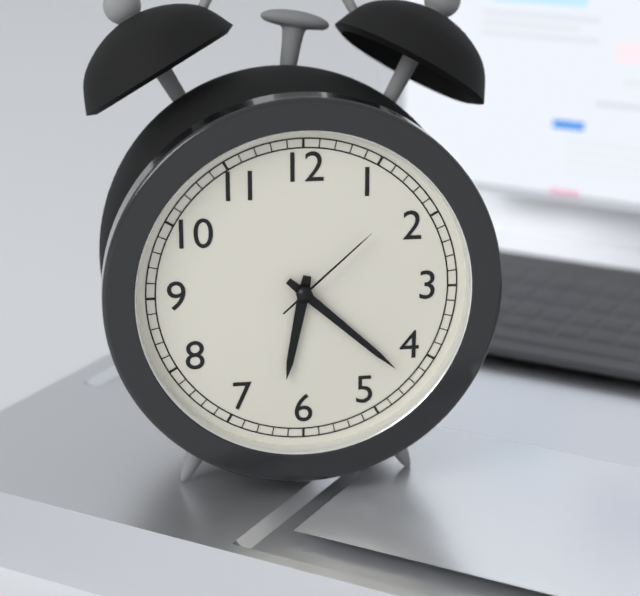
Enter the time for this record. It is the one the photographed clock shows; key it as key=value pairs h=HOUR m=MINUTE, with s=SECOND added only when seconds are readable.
h=6 m=22 s=8
